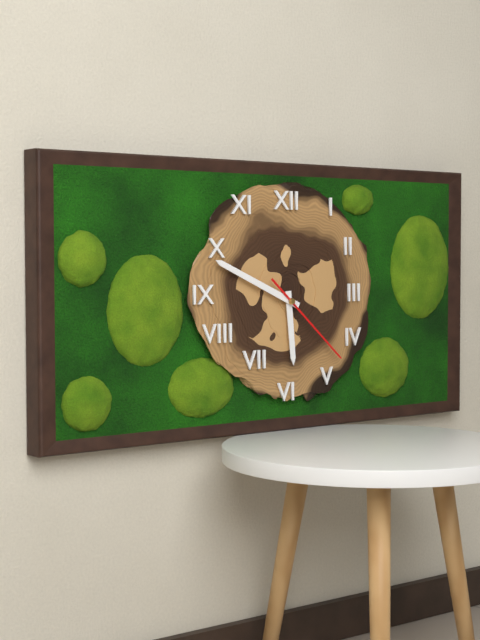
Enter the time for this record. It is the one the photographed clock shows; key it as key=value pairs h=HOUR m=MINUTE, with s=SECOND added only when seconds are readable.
h=5 m=49 s=22
